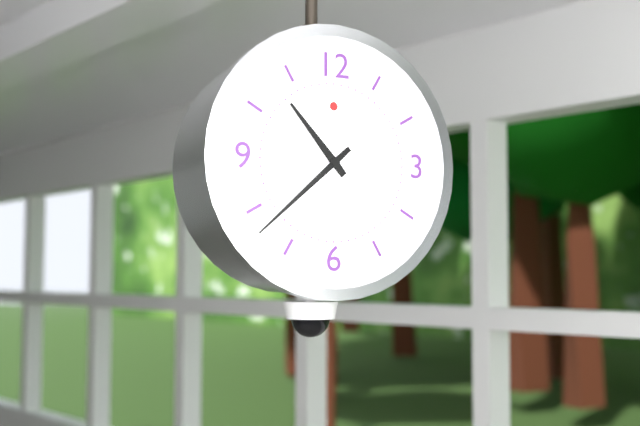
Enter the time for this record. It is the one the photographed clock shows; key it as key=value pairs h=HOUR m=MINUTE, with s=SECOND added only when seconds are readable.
h=10 m=38
